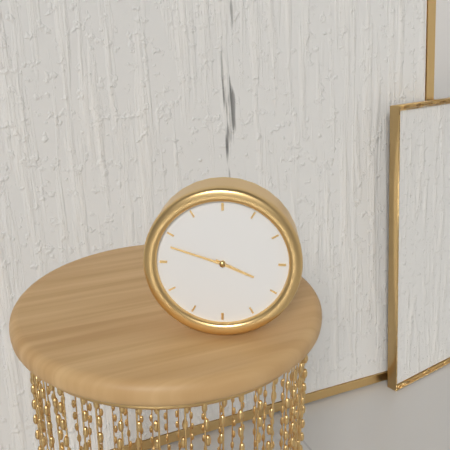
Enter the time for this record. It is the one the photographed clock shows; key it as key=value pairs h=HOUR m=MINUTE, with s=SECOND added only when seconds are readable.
h=3 m=48
